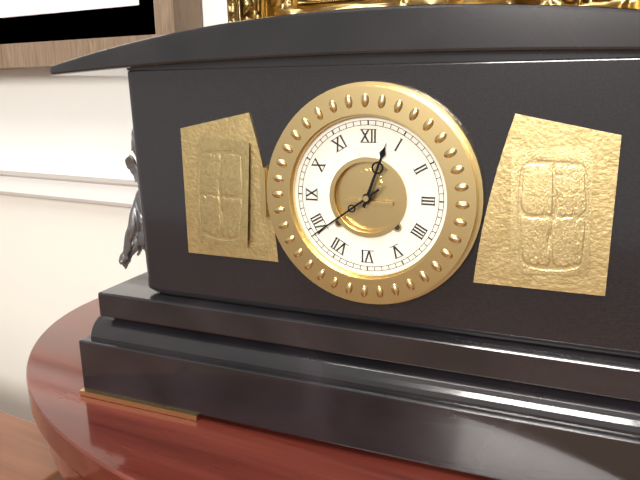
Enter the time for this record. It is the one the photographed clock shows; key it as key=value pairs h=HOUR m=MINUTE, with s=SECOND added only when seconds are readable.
h=12 m=39
